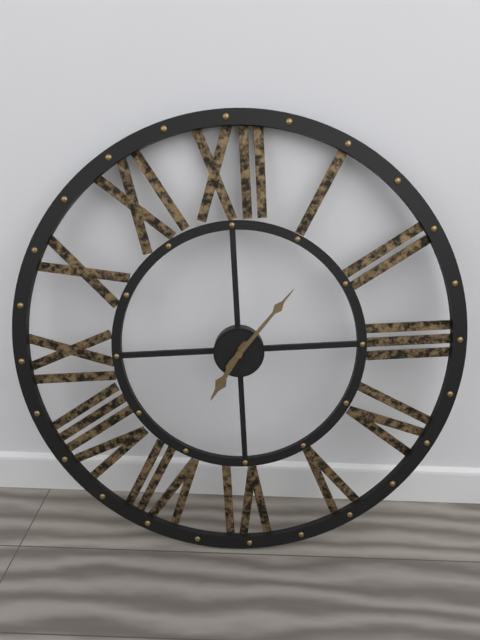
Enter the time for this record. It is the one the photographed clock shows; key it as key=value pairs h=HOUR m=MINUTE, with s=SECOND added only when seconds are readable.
h=7 m=7
